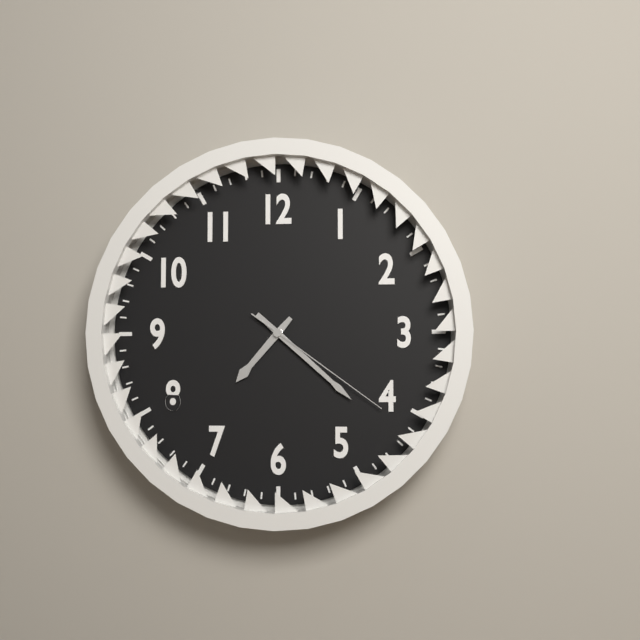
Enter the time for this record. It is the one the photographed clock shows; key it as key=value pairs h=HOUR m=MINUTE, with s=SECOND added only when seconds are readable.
h=7 m=22 s=21
